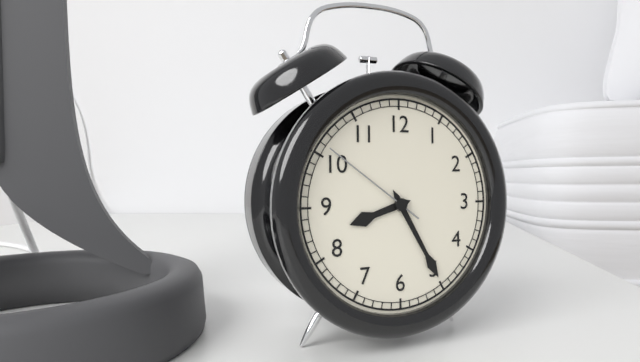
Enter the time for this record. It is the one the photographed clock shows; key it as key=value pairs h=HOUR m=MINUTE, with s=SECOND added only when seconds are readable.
h=8 m=25 s=51
